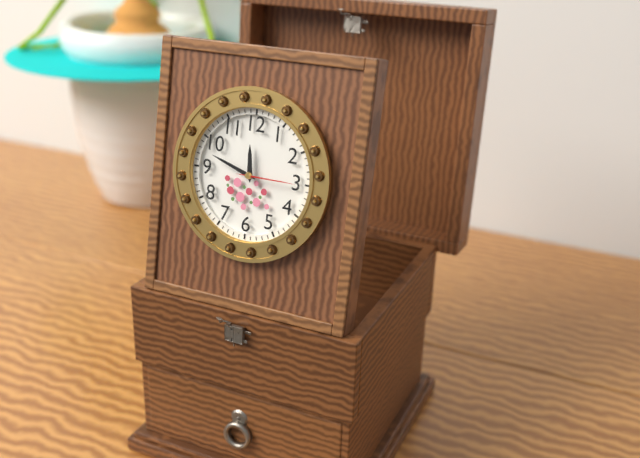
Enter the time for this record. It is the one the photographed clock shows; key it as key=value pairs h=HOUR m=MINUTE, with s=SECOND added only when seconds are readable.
h=11 m=48 s=15
